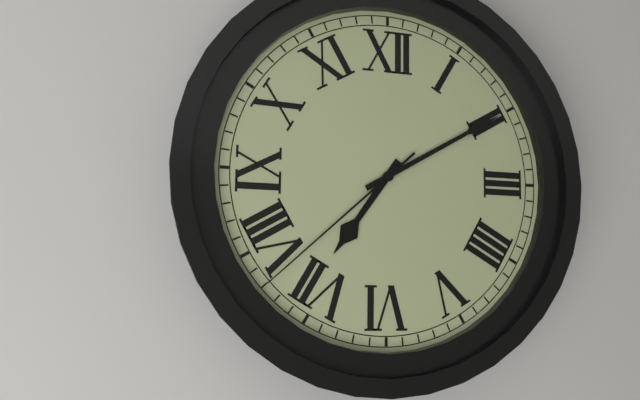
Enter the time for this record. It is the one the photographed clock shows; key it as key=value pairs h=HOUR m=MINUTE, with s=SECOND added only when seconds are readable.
h=7 m=10 s=38
